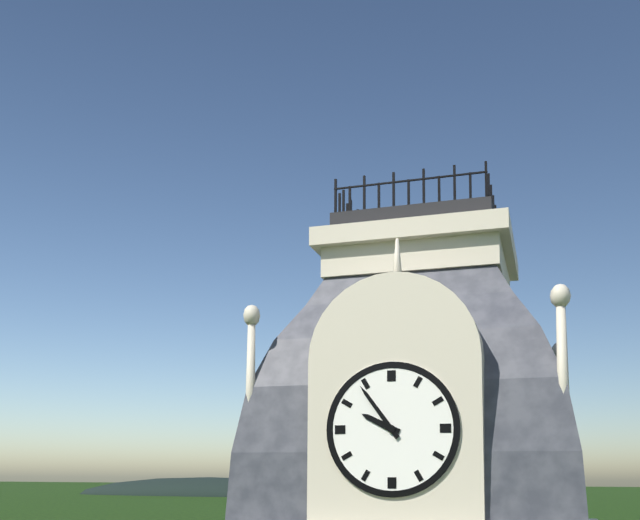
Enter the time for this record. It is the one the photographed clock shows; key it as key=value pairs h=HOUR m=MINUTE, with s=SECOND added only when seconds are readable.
h=9 m=54
